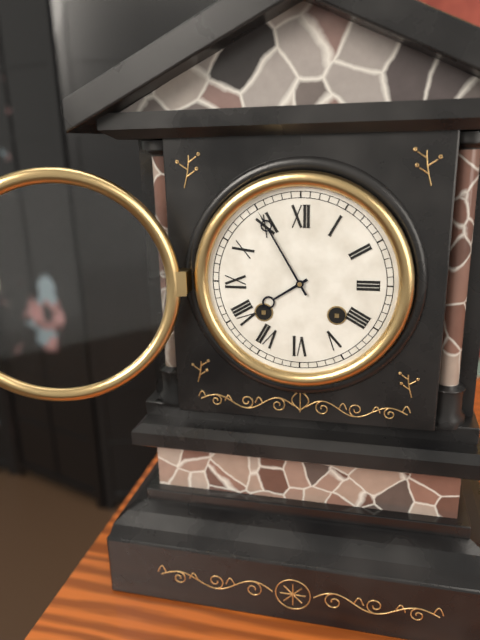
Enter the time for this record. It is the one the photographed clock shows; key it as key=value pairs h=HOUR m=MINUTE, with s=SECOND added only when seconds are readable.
h=7 m=55
